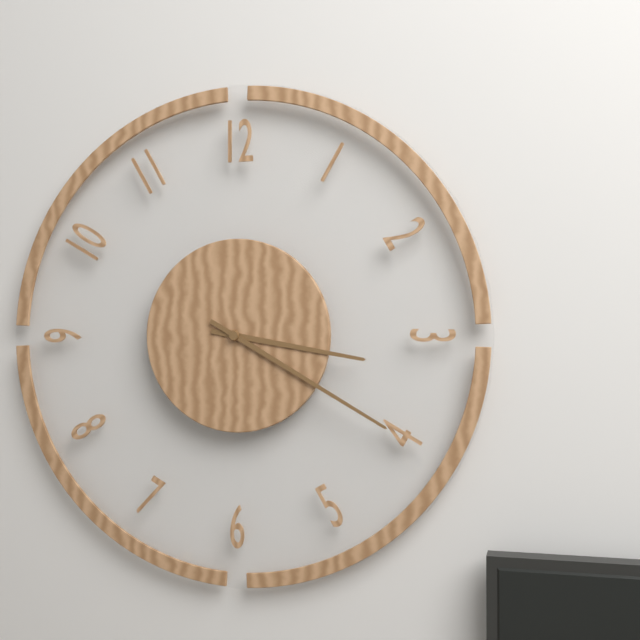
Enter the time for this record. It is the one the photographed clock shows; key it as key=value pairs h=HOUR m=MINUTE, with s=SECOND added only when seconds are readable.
h=3 m=20
